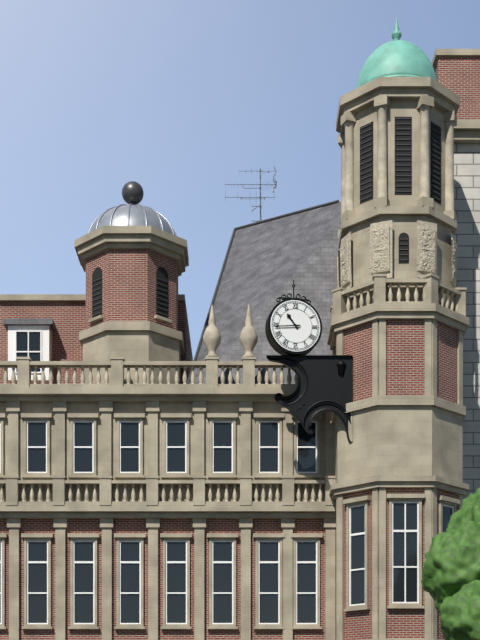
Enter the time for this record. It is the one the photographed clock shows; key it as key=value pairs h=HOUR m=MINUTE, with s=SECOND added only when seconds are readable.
h=10 m=44
